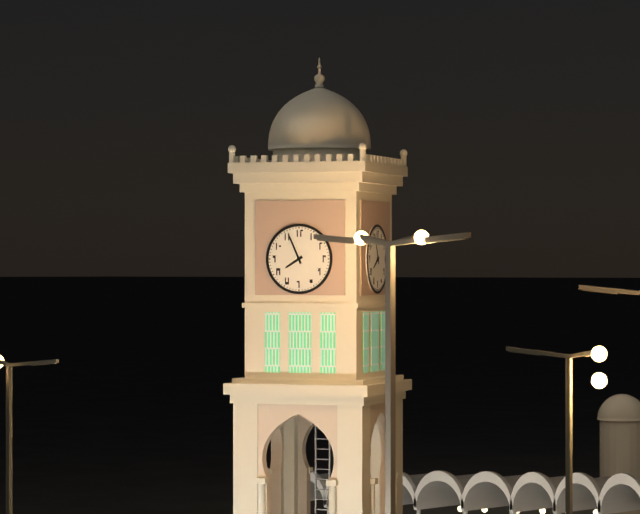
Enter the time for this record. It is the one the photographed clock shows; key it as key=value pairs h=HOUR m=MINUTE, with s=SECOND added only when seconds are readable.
h=7 m=56
